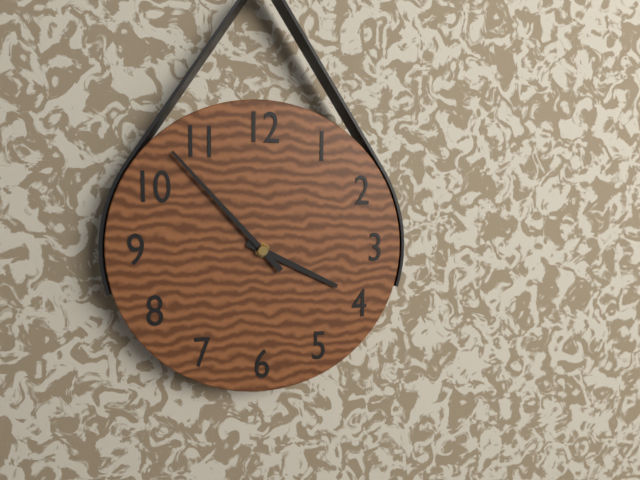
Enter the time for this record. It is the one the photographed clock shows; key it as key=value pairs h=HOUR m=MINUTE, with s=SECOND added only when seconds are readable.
h=3 m=53
